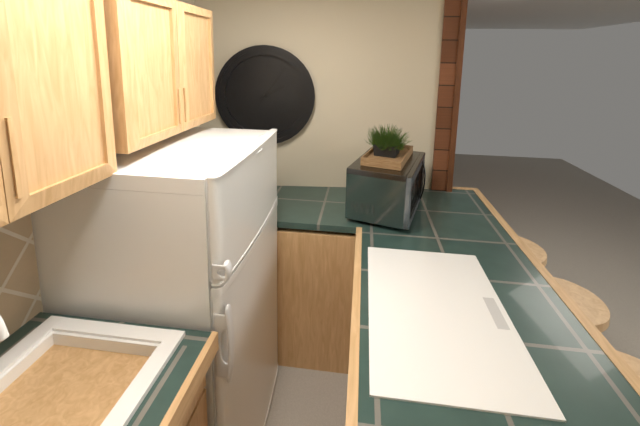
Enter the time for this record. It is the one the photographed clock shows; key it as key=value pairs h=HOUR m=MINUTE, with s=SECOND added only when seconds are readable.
h=2 m=6
